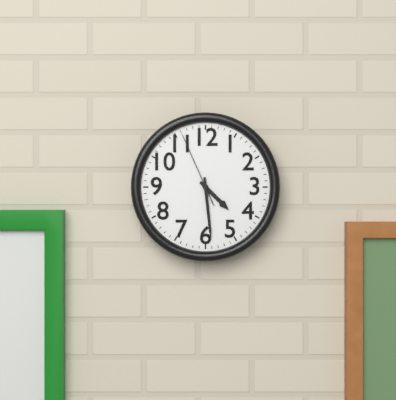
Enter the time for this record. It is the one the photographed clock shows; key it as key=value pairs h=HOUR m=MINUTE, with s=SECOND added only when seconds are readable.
h=4 m=29 s=56
